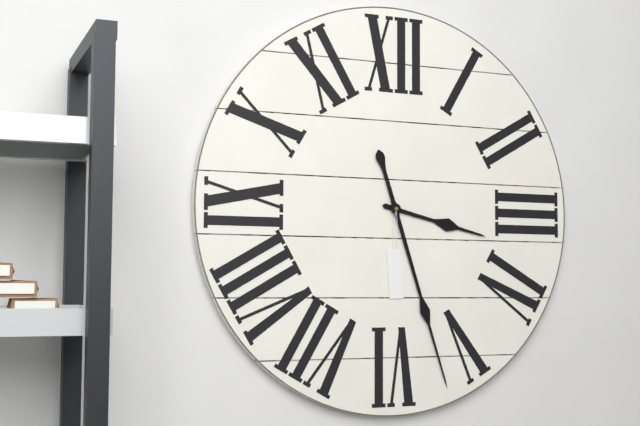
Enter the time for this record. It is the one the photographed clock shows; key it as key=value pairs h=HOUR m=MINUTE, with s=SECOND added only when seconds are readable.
h=3 m=27
